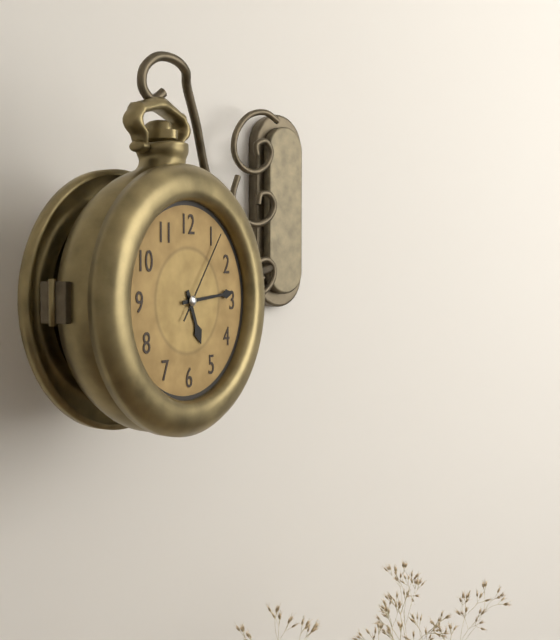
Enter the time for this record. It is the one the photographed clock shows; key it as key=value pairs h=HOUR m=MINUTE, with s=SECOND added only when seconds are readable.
h=5 m=14 s=6
